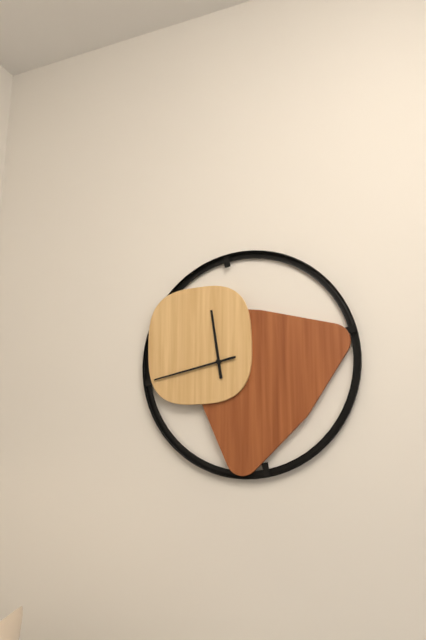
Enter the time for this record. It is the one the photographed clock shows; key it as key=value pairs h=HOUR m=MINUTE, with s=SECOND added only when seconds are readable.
h=11 m=43
